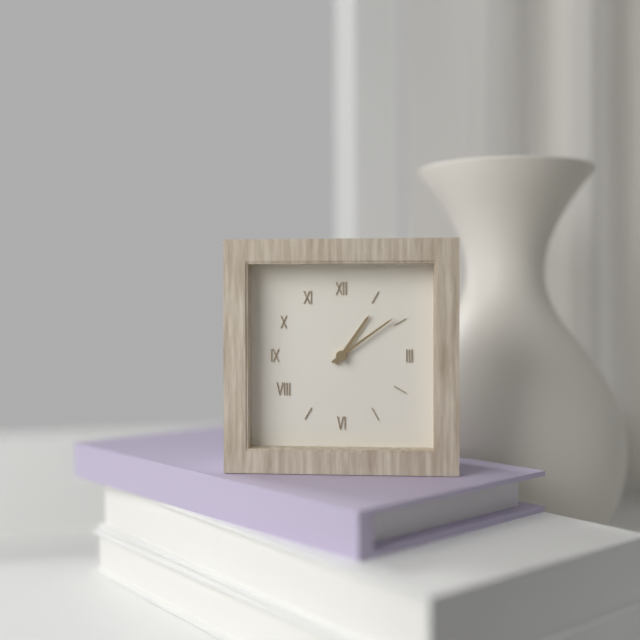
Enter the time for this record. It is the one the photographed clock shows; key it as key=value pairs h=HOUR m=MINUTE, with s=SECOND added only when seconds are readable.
h=1 m=9
